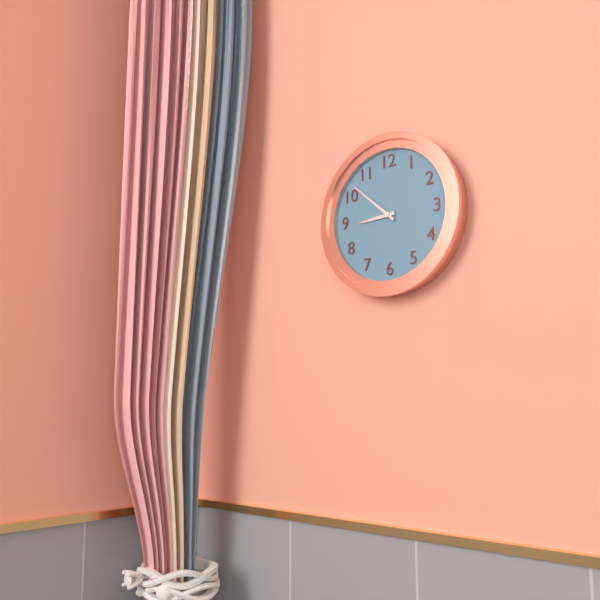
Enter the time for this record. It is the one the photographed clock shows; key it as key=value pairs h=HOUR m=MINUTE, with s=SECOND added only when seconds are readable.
h=8 m=52
